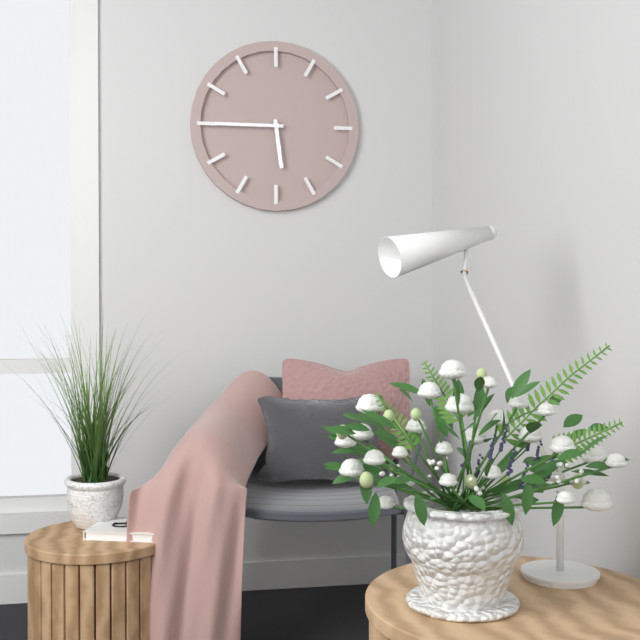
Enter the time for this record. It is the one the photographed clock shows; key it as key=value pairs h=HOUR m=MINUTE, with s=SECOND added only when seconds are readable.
h=5 m=45
